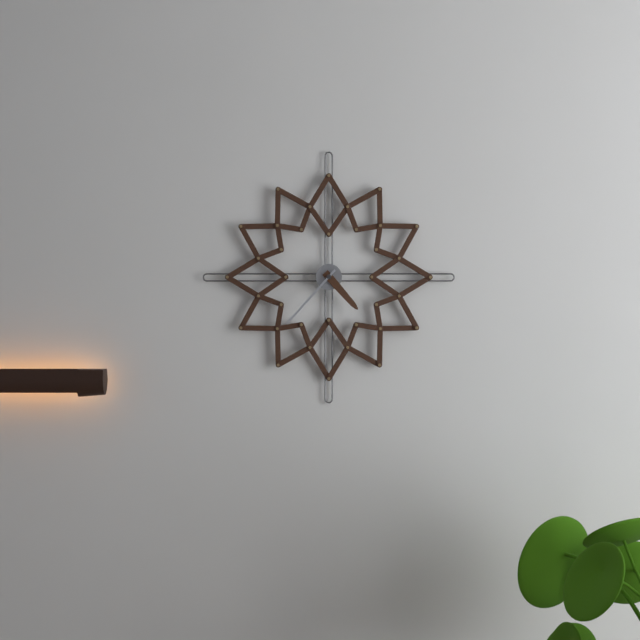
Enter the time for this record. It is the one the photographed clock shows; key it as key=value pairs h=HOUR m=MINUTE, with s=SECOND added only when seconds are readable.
h=4 m=37
